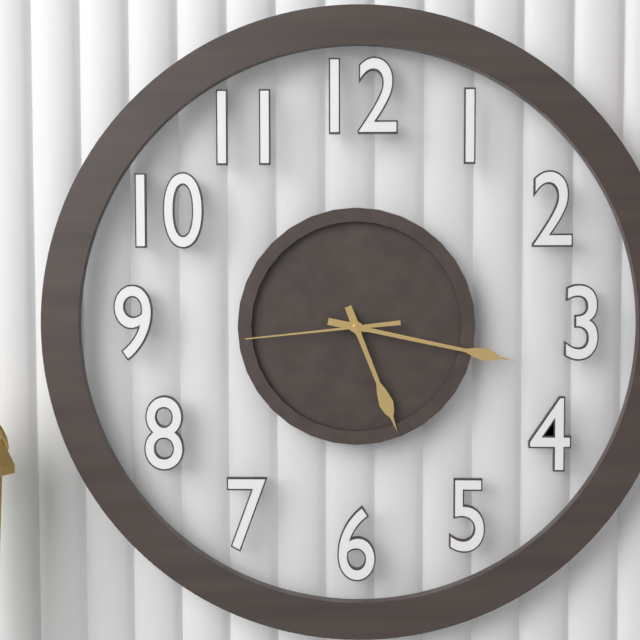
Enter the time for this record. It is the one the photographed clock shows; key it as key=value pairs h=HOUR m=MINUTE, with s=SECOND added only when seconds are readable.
h=5 m=17 s=44
